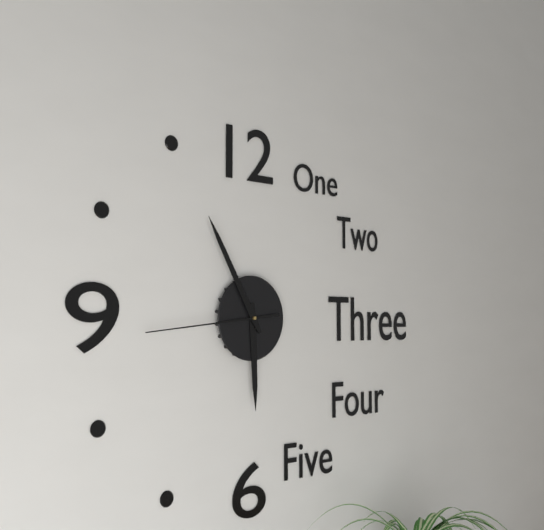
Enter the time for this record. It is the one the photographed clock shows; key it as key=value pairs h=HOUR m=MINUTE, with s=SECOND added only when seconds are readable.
h=5 m=55 s=44
